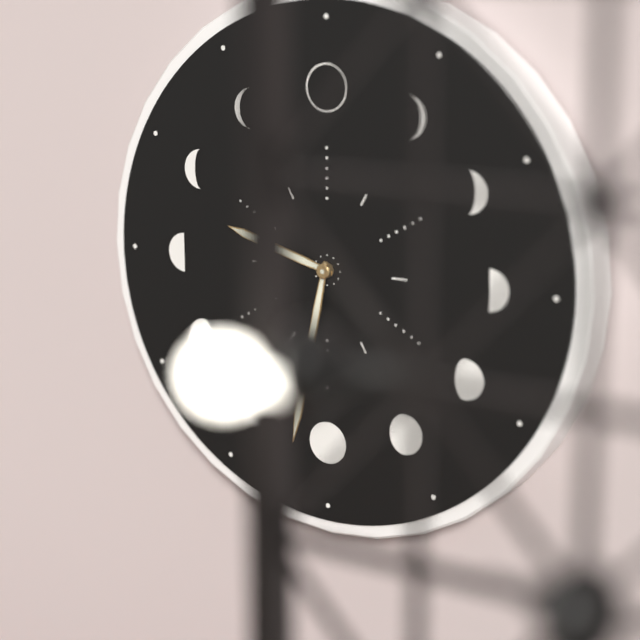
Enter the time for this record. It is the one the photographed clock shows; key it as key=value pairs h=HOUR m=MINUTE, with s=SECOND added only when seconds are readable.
h=9 m=32
